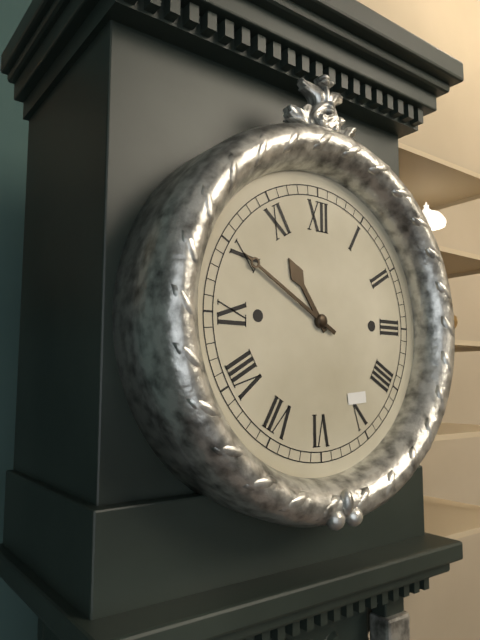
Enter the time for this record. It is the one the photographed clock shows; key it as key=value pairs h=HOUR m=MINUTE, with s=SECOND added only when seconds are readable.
h=10 m=50
